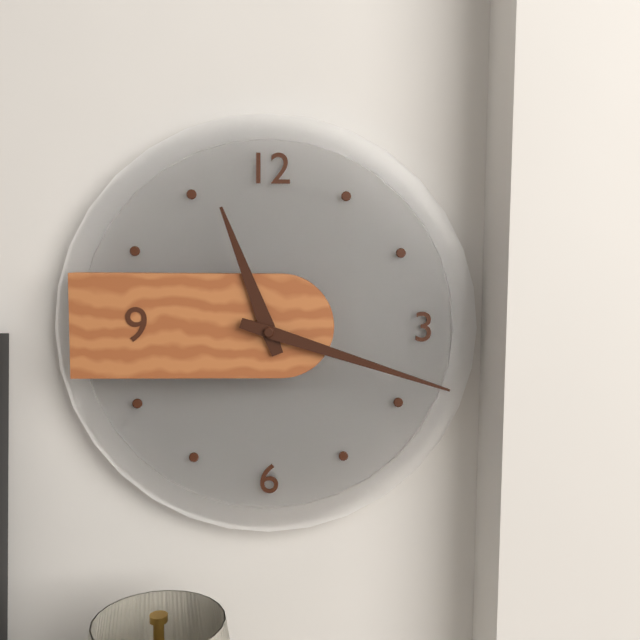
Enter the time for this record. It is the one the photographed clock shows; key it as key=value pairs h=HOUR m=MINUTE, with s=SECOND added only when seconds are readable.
h=11 m=18
